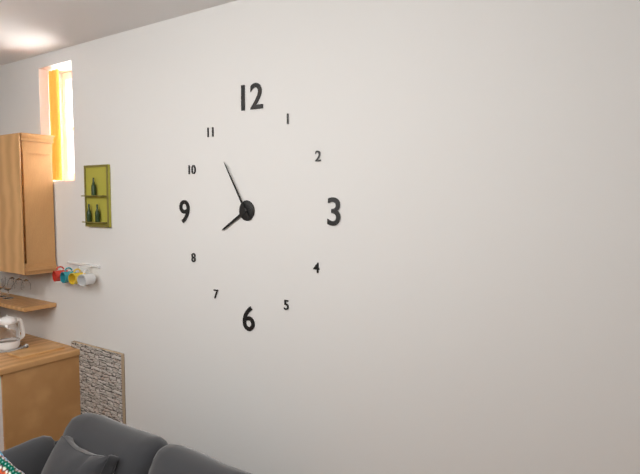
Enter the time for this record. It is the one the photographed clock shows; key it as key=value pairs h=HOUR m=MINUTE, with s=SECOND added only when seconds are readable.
h=7 m=55
